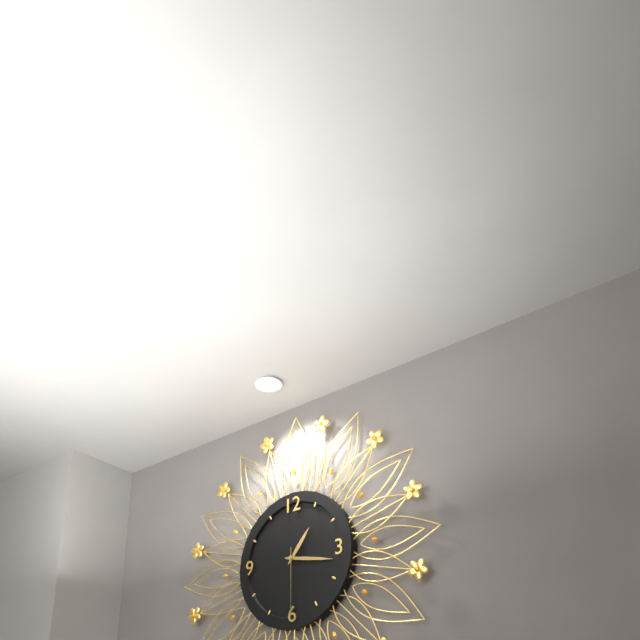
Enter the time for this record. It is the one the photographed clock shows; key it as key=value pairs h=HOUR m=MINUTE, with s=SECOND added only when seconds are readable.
h=1 m=17 s=30
